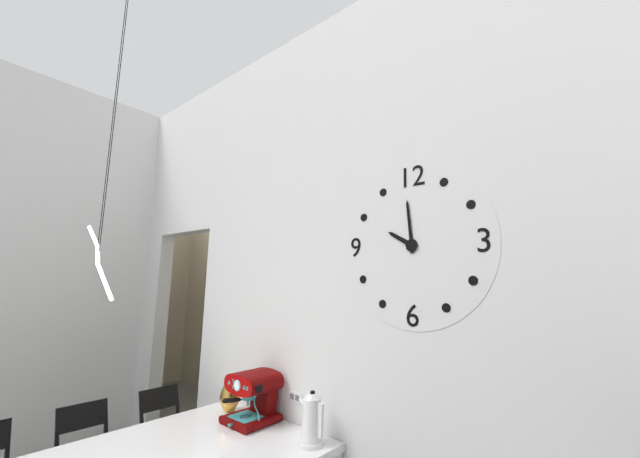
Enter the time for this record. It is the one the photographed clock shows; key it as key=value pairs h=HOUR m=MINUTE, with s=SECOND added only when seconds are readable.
h=9 m=59
